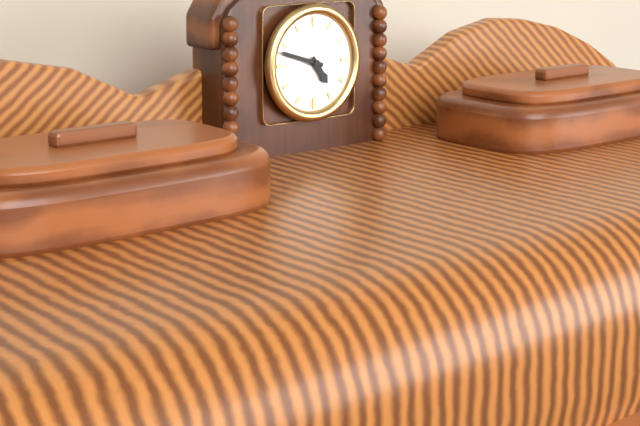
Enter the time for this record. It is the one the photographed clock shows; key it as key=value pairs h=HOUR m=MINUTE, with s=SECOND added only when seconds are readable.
h=4 m=48
